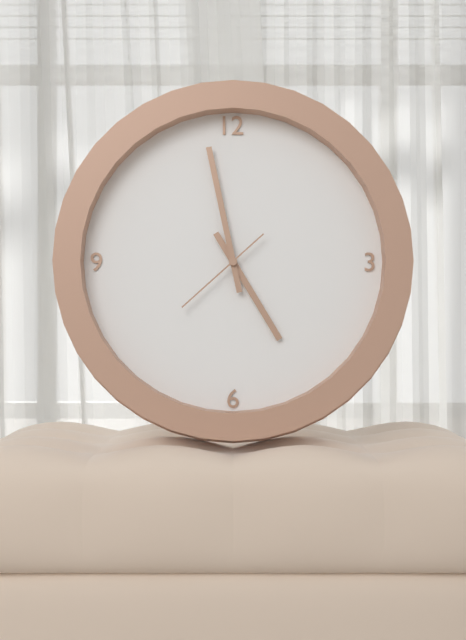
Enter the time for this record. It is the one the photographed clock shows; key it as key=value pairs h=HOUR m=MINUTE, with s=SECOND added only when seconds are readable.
h=4 m=58 s=38
